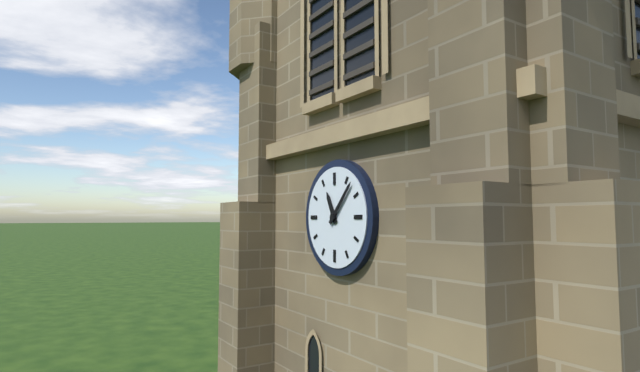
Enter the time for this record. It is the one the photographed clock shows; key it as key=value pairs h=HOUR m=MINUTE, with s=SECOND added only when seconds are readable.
h=11 m=7
